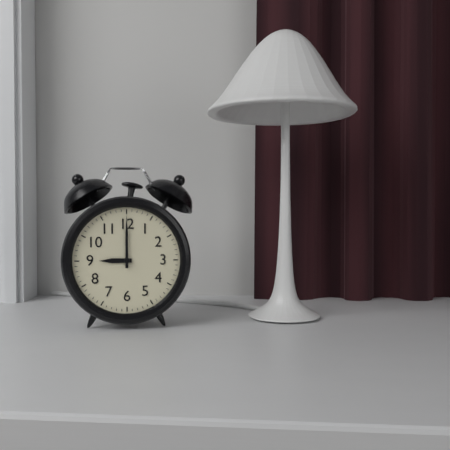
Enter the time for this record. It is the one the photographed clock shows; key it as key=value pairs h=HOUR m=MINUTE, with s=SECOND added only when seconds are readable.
h=9 m=0
